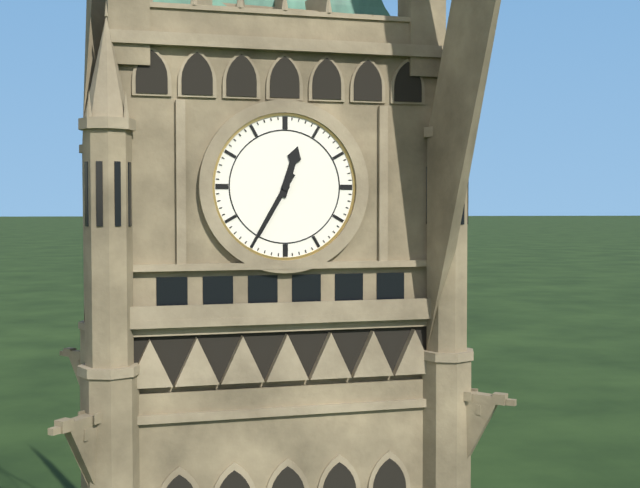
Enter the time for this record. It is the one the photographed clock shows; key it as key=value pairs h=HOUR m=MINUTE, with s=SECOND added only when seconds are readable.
h=12 m=35
